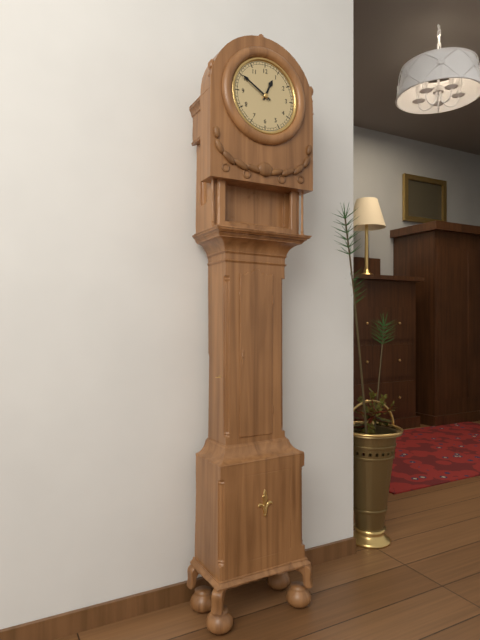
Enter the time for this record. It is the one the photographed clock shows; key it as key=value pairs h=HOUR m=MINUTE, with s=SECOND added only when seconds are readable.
h=12 m=50
